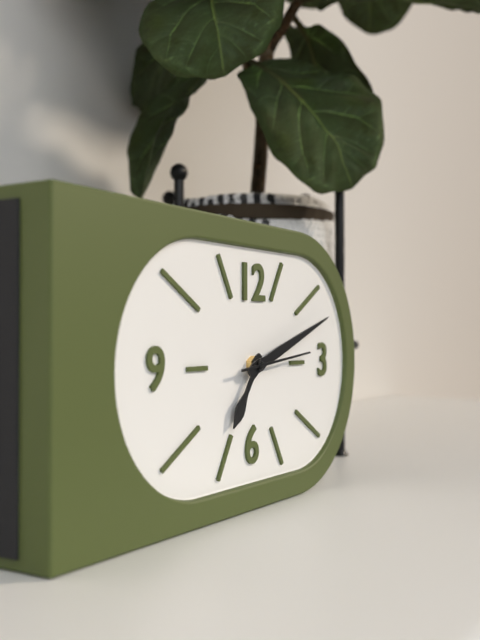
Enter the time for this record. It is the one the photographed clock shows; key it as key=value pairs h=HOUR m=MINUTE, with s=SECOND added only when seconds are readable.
h=7 m=12 s=14
